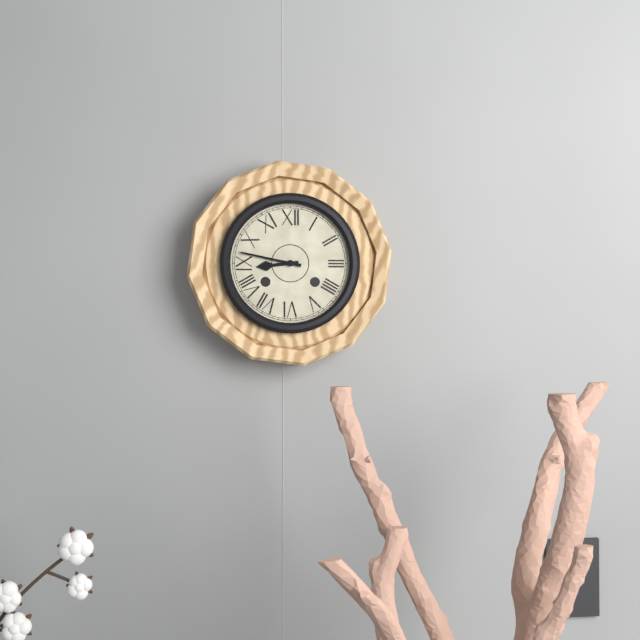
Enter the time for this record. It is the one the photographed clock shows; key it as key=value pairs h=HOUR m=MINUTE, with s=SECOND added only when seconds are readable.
h=8 m=47
